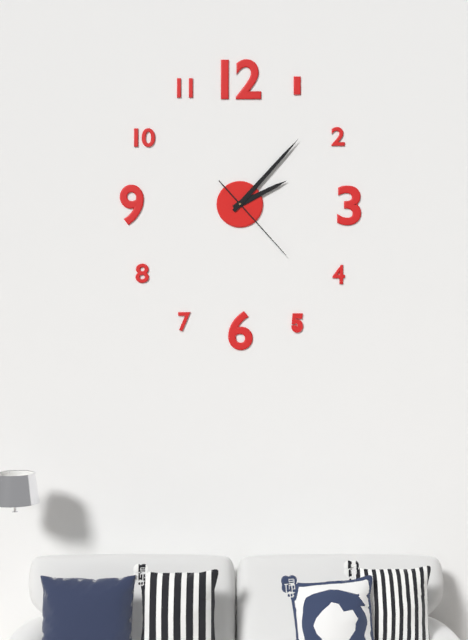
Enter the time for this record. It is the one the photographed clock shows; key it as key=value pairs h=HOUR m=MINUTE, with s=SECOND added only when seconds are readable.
h=2 m=7 s=23
